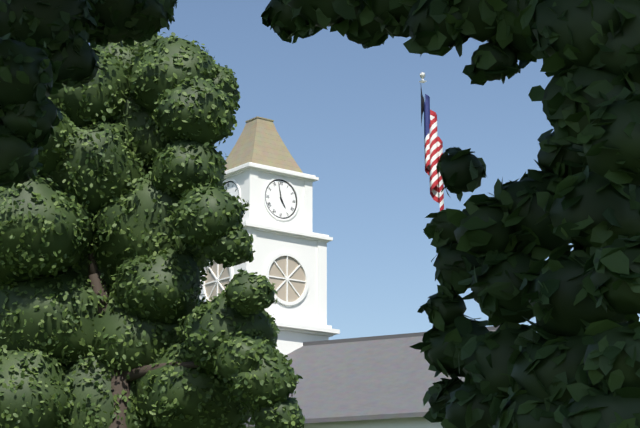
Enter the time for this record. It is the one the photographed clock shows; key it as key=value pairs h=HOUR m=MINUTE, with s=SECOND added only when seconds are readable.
h=4 m=58
